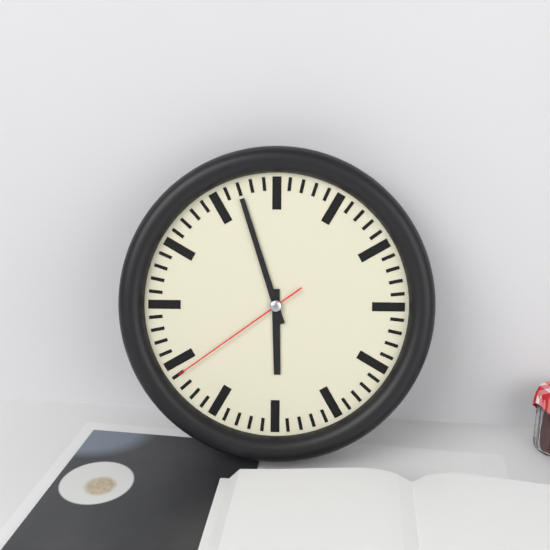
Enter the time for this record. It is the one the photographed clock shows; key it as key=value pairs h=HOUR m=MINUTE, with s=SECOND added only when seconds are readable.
h=5 m=57 s=39
